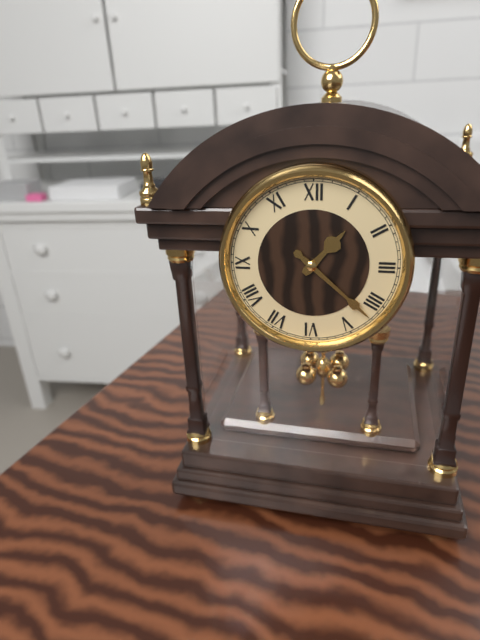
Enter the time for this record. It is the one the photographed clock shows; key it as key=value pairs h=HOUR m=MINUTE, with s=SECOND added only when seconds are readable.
h=1 m=22
